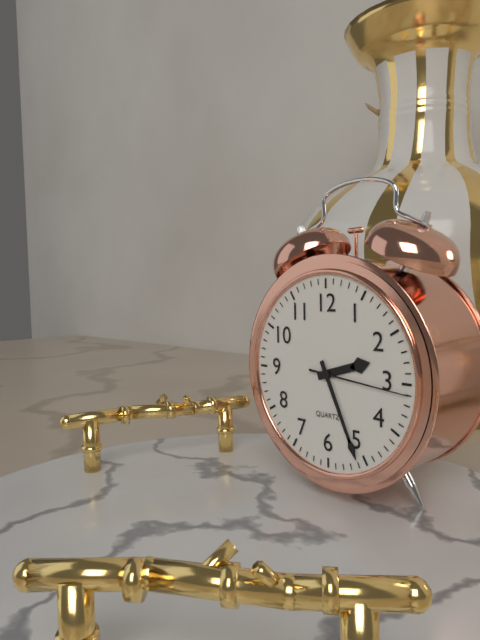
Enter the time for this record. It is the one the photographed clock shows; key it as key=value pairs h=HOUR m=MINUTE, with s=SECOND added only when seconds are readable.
h=2 m=26 s=16
